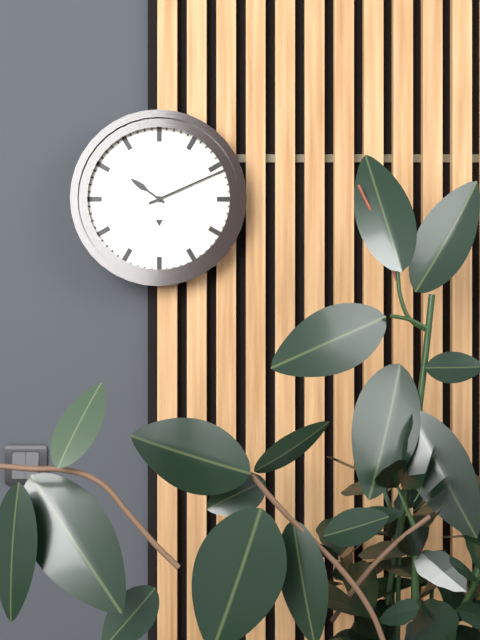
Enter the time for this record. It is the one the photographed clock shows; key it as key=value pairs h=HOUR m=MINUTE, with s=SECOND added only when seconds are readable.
h=10 m=11
